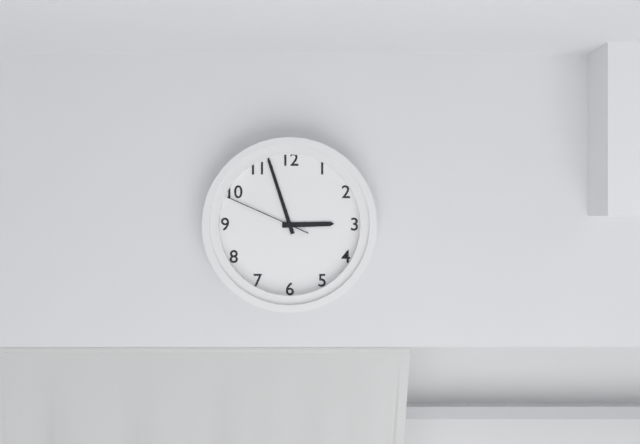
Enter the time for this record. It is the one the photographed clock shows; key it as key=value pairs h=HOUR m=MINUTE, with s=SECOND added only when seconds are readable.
h=2 m=57 s=49
